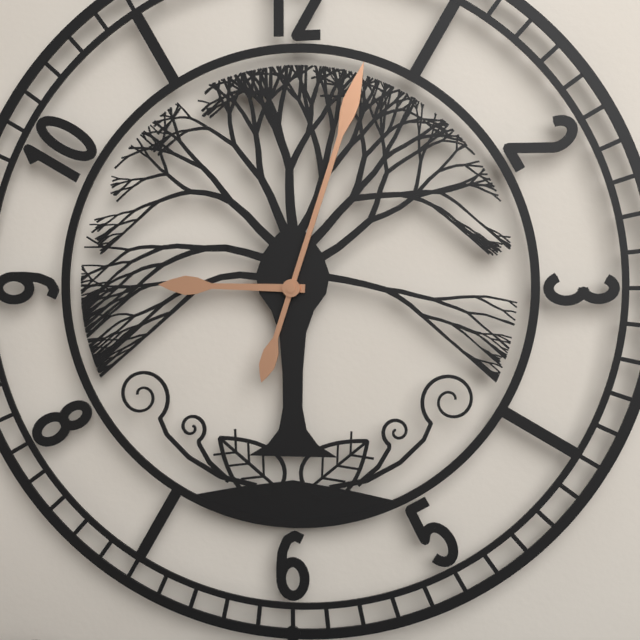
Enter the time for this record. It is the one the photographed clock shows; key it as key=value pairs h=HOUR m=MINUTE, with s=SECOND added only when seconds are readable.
h=9 m=3
